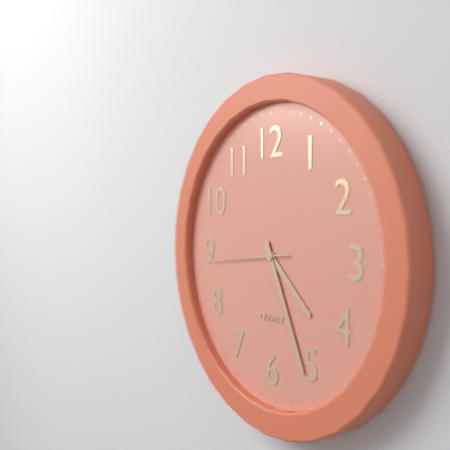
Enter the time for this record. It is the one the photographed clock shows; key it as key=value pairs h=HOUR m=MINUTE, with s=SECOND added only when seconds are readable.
h=4 m=26 s=44
